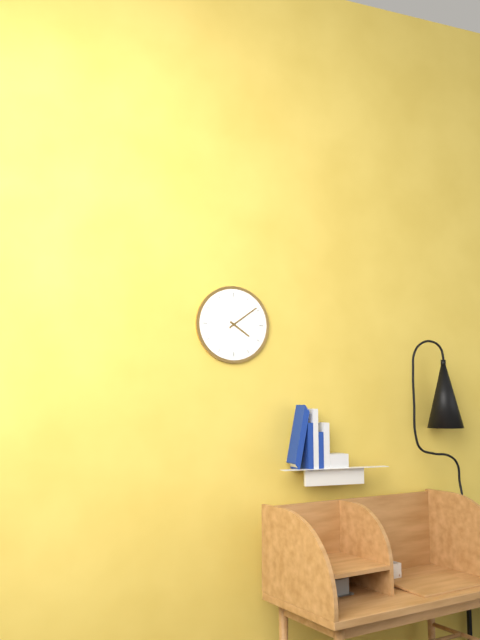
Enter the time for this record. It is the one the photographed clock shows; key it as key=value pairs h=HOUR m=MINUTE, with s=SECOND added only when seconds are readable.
h=4 m=9
